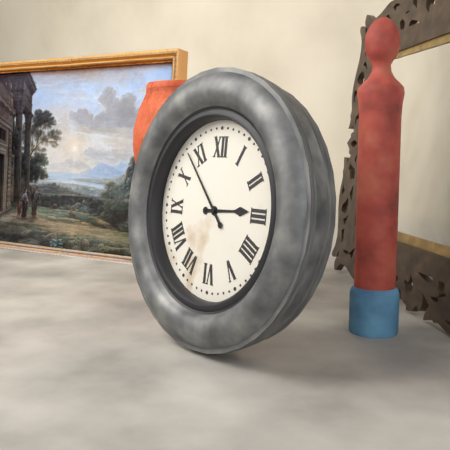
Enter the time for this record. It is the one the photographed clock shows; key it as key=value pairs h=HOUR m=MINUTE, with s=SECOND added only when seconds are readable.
h=2 m=53
